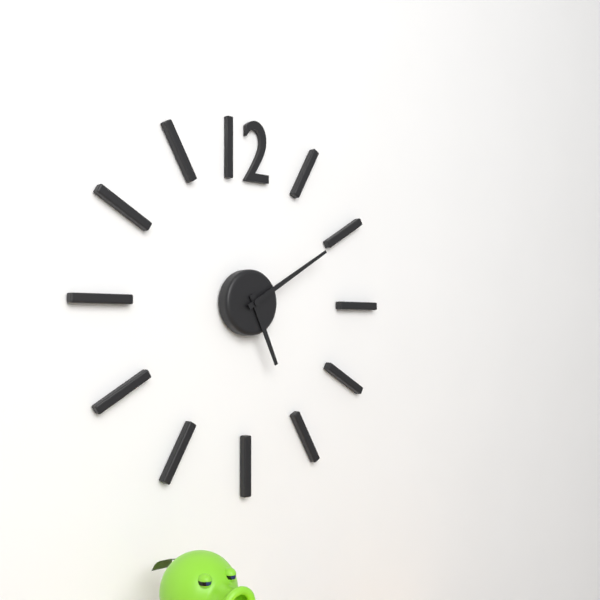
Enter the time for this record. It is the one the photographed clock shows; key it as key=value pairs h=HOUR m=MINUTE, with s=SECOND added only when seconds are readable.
h=5 m=10
